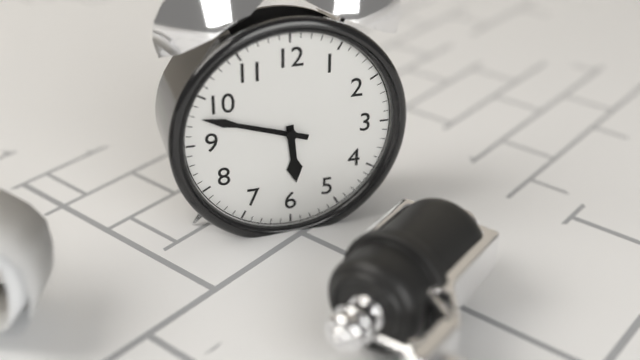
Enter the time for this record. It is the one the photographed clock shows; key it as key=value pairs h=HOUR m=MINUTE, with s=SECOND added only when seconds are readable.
h=5 m=48
